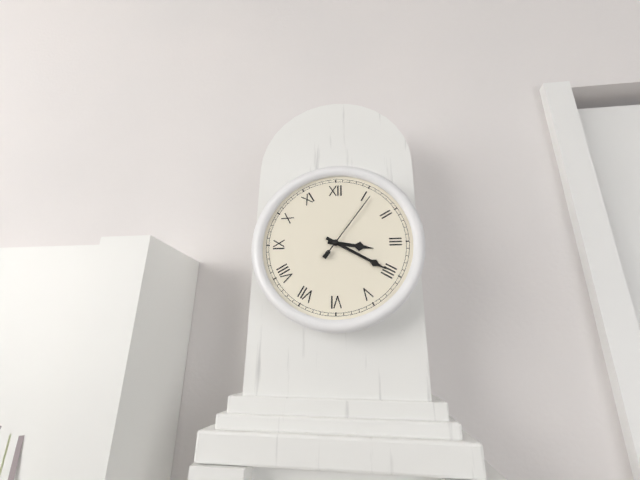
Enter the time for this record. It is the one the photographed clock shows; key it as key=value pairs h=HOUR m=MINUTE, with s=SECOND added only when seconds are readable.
h=3 m=20 s=6
